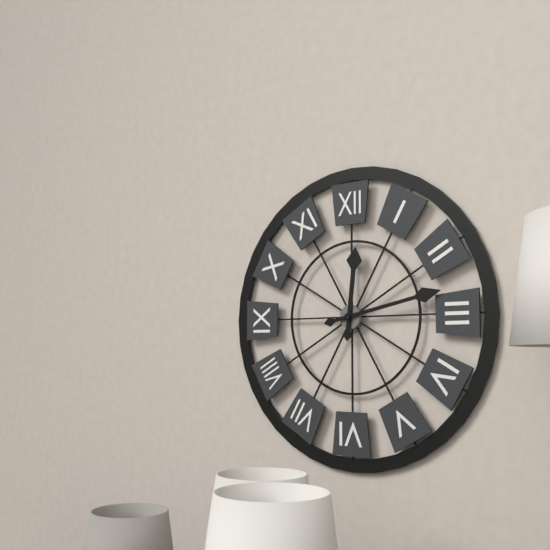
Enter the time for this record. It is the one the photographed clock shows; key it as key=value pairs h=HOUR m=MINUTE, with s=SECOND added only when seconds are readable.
h=12 m=13
